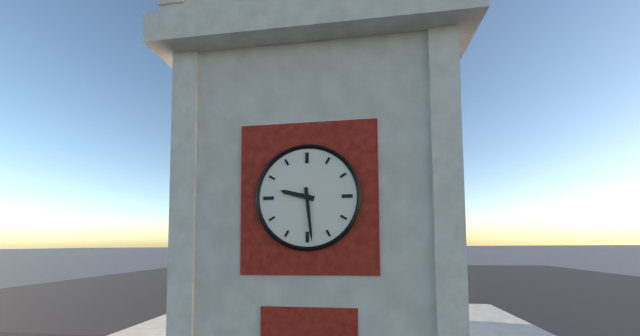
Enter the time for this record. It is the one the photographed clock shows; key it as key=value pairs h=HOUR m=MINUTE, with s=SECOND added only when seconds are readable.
h=9 m=29
